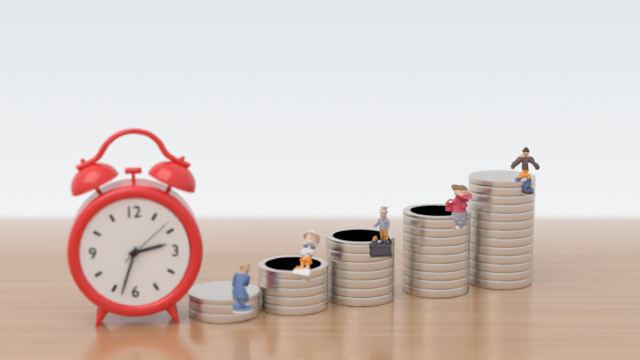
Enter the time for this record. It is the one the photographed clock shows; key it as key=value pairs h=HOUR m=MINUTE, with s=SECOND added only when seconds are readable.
h=2 m=33 s=8
